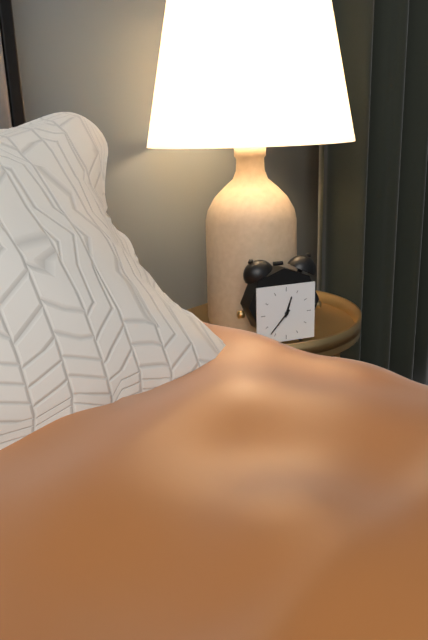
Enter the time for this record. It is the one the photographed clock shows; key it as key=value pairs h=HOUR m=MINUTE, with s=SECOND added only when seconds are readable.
h=12 m=37
